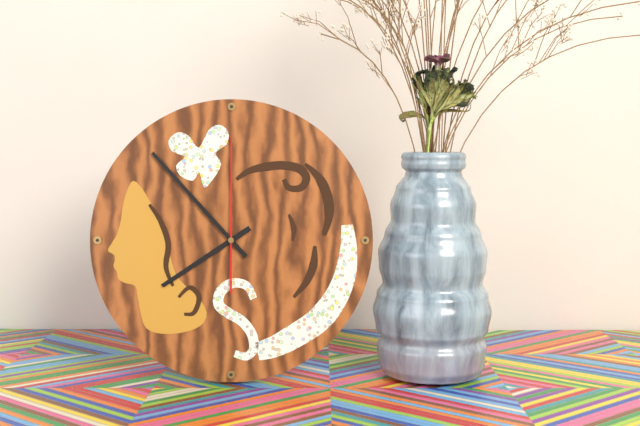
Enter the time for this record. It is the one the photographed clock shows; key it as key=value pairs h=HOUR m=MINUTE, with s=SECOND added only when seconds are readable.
h=7 m=53 s=0
